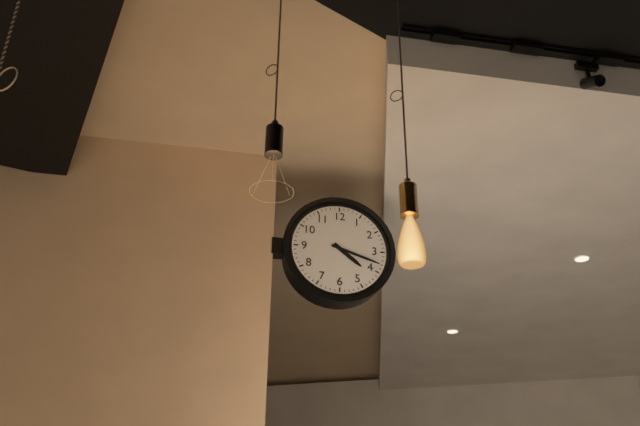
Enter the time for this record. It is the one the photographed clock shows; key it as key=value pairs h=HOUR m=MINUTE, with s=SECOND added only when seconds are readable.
h=4 m=18
